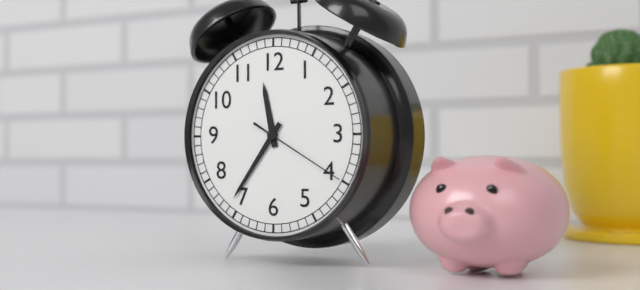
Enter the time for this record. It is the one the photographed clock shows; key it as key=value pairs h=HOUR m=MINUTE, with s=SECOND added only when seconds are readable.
h=11 m=36 s=20
